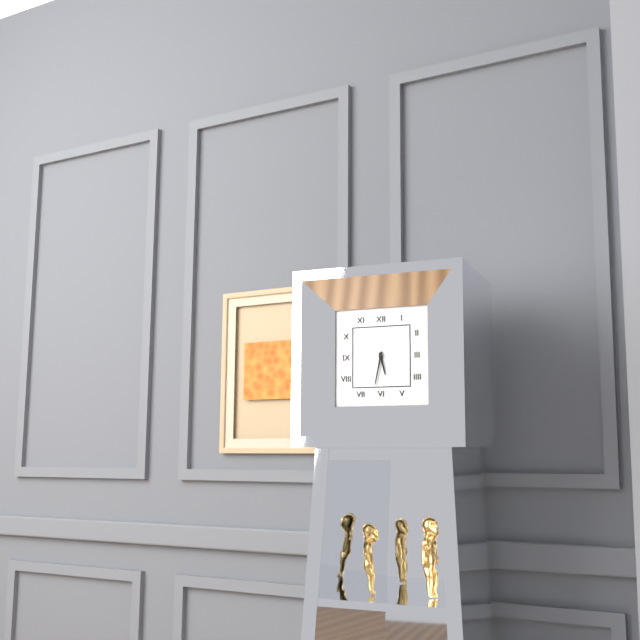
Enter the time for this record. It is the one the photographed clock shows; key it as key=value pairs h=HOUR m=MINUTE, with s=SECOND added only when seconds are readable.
h=5 m=32
